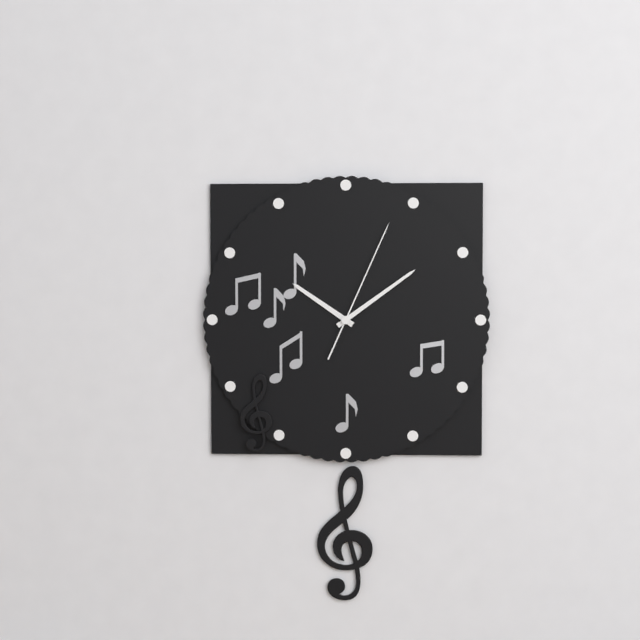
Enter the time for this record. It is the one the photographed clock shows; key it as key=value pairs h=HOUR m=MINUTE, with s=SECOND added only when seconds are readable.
h=10 m=9 s=4
